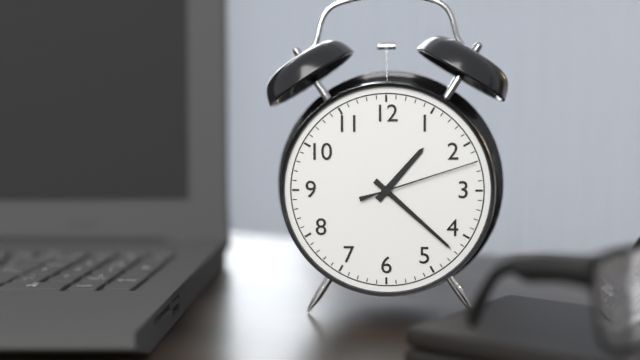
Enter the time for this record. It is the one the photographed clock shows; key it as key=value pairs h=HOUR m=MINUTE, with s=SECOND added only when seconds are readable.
h=1 m=22 s=12
